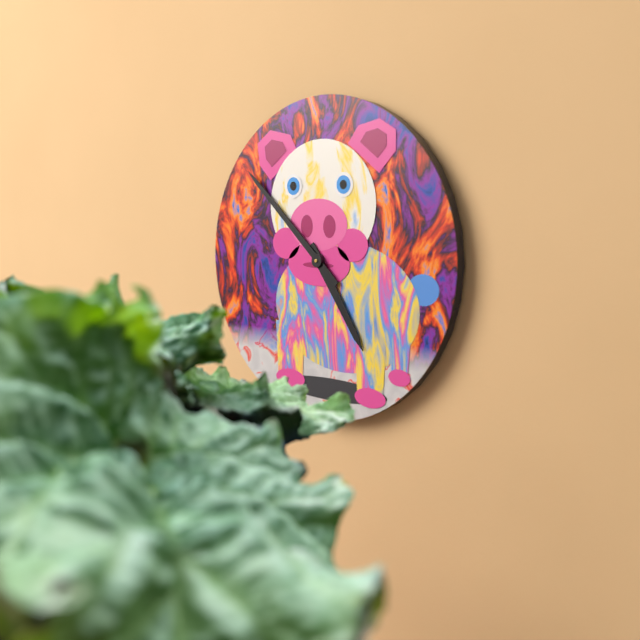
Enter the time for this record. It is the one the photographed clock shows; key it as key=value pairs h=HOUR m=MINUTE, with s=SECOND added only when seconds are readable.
h=4 m=52
